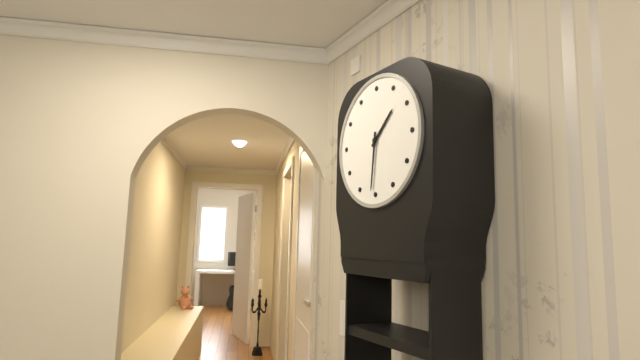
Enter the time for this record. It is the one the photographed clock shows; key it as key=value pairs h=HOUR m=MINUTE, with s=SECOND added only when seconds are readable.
h=1 m=31
